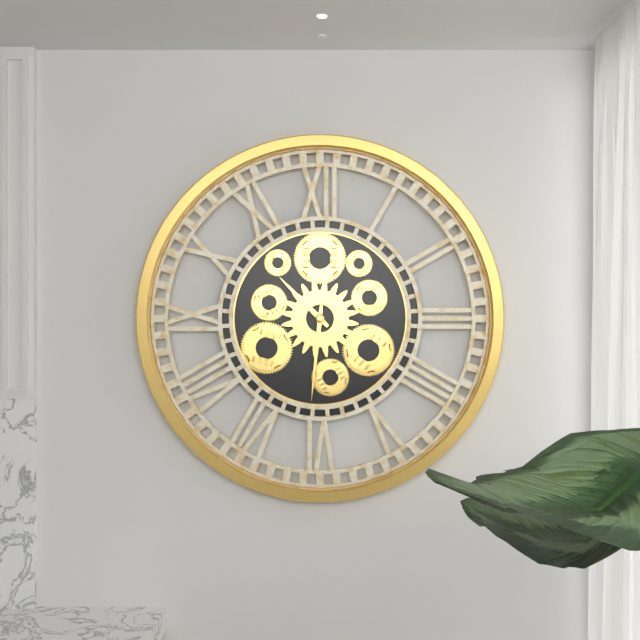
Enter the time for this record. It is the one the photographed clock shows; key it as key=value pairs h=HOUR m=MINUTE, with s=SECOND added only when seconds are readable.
h=10 m=31
